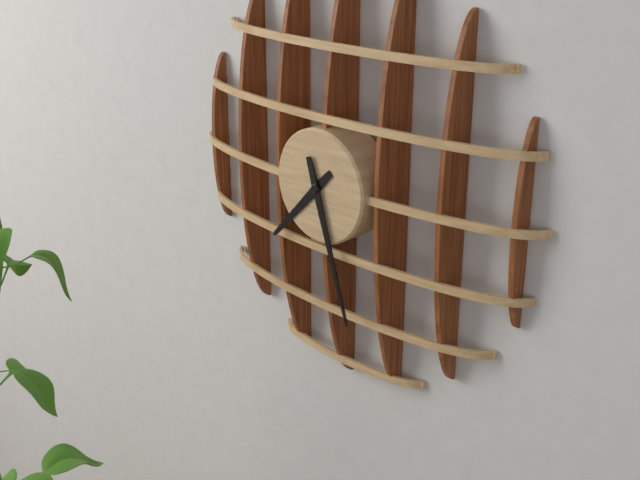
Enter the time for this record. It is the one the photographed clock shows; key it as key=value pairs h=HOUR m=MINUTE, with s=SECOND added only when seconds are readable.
h=7 m=27
